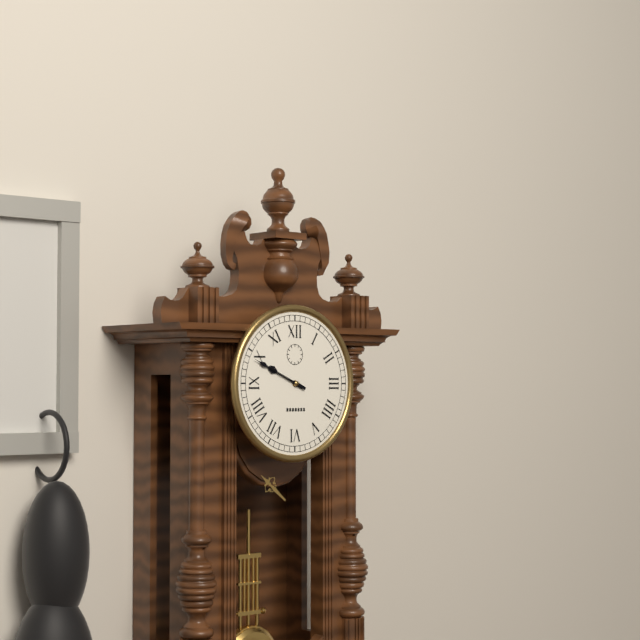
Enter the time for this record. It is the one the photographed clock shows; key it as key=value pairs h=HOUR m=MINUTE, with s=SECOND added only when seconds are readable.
h=9 m=49
